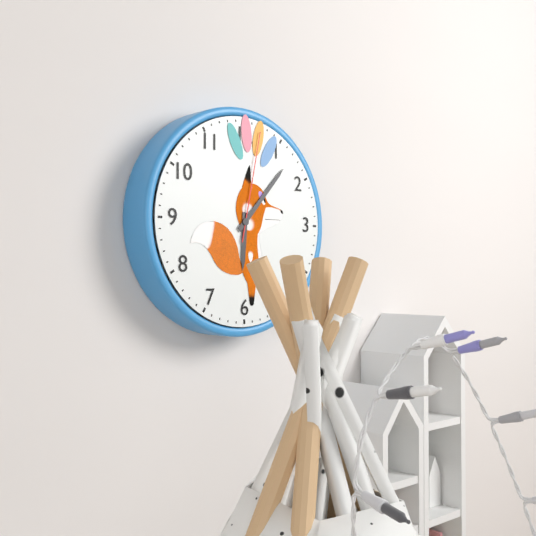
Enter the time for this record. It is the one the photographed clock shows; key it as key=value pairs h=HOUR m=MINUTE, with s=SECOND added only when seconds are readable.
h=6 m=7 s=2
